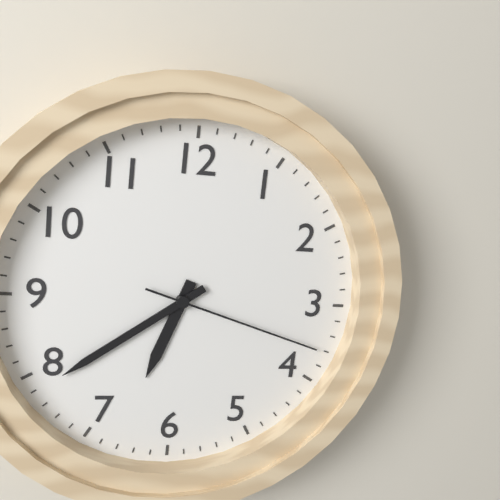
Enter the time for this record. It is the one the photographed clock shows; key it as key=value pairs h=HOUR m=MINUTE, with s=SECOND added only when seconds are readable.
h=6 m=39 s=18
